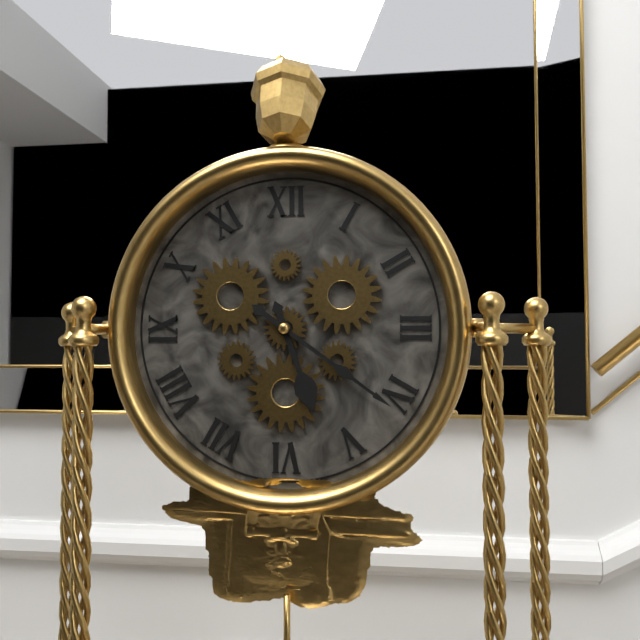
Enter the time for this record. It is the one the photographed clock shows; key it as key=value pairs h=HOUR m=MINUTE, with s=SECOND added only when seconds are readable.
h=5 m=21
